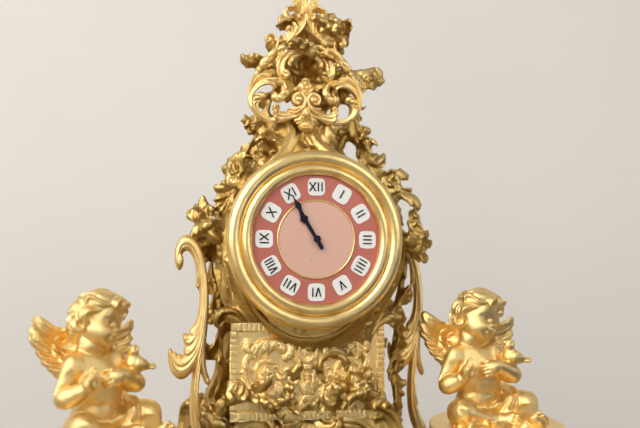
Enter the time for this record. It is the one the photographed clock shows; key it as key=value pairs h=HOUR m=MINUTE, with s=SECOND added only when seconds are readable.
h=10 m=55
